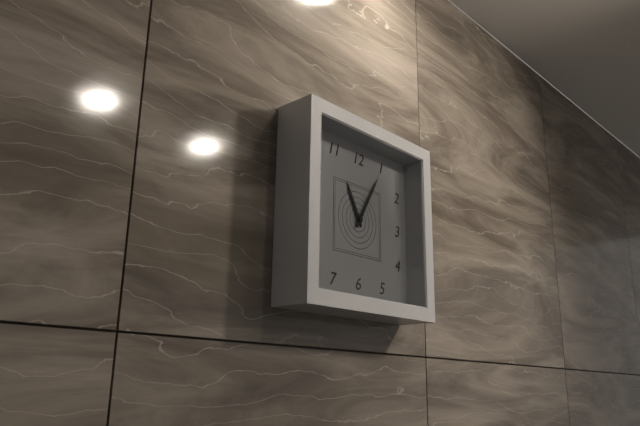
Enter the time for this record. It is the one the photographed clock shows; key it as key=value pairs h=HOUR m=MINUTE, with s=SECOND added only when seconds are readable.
h=11 m=5
